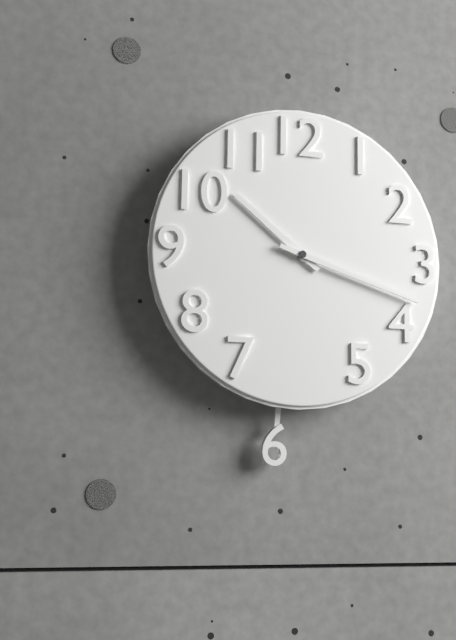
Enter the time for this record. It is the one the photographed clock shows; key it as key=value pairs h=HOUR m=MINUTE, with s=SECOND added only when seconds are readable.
h=10 m=18
